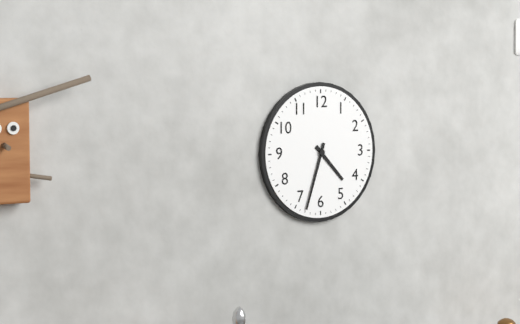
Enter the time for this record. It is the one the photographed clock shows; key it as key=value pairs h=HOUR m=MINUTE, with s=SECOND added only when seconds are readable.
h=4 m=33
